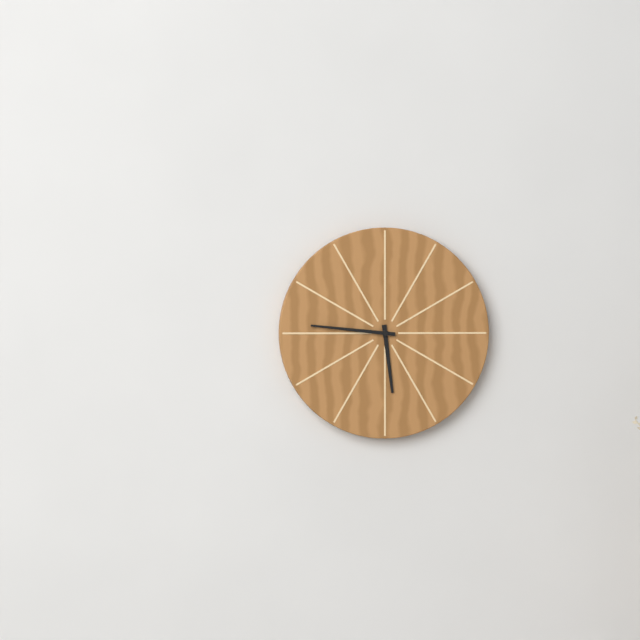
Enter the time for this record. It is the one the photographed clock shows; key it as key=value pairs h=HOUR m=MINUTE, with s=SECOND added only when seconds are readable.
h=5 m=46
